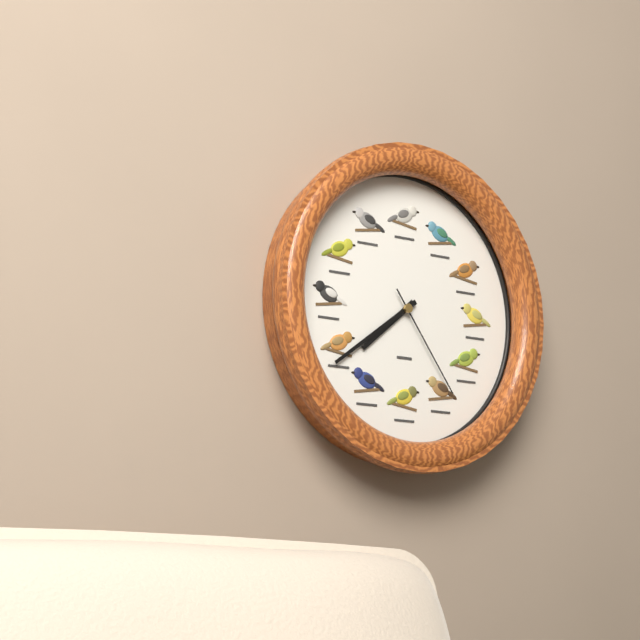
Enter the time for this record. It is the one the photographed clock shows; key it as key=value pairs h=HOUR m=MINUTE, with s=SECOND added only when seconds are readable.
h=7 m=39 s=24
